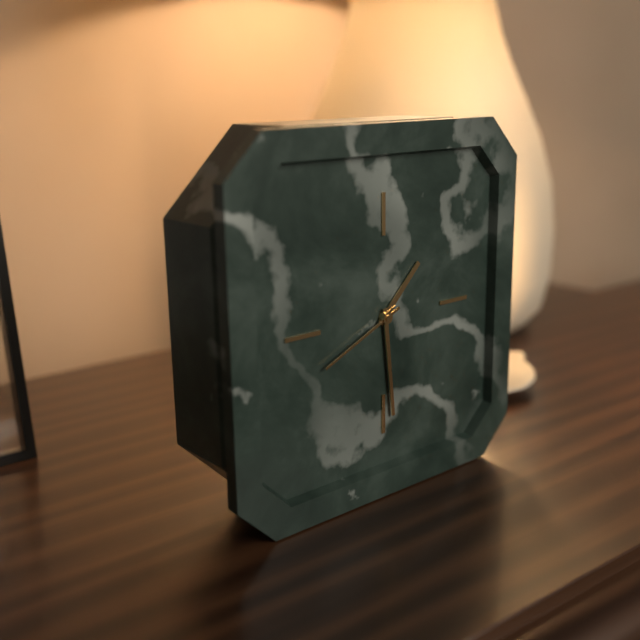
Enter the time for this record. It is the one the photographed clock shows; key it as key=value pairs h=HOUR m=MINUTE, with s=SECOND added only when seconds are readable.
h=1 m=29 s=41
